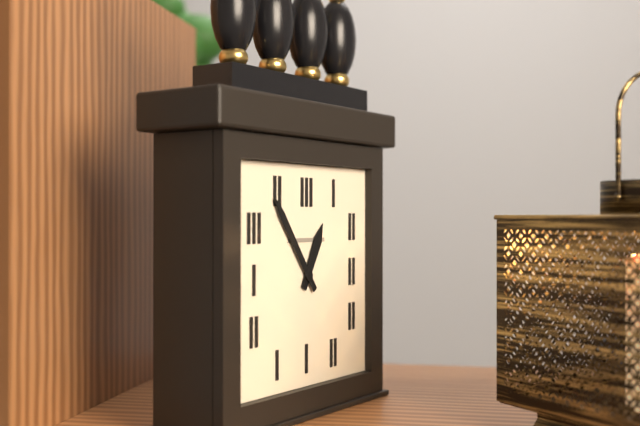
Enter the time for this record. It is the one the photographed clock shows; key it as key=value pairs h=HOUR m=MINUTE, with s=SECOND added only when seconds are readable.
h=12 m=54
